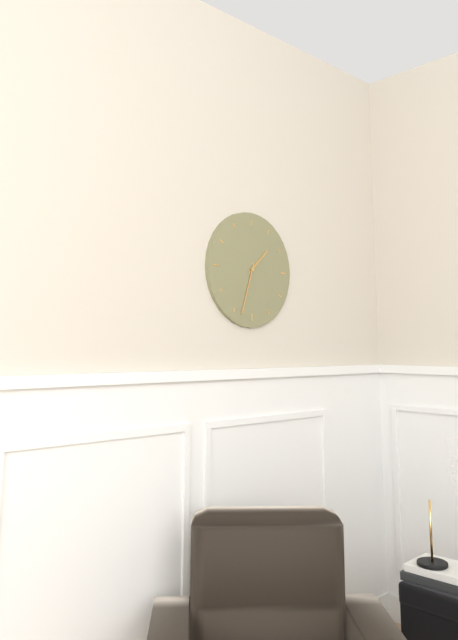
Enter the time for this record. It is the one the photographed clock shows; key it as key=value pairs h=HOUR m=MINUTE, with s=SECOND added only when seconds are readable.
h=1 m=33
